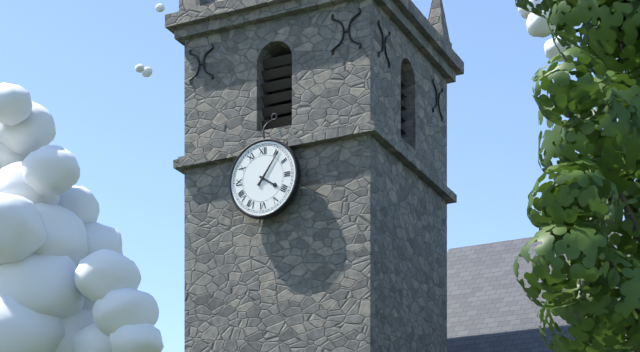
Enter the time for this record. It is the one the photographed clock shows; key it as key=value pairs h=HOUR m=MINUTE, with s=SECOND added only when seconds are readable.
h=4 m=6
